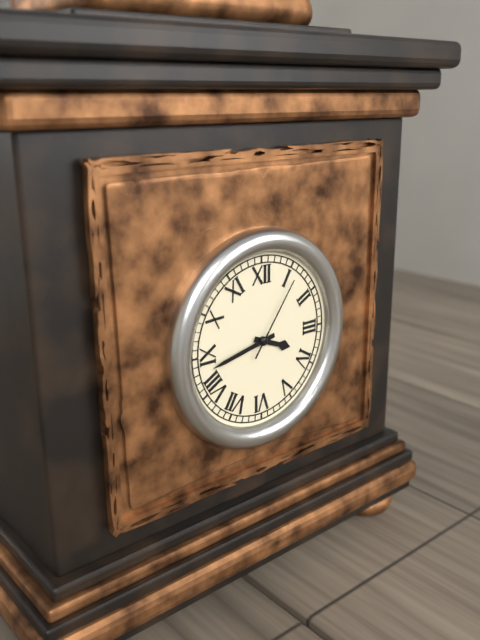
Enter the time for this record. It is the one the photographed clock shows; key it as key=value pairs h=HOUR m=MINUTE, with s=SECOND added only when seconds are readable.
h=3 m=43 s=6
